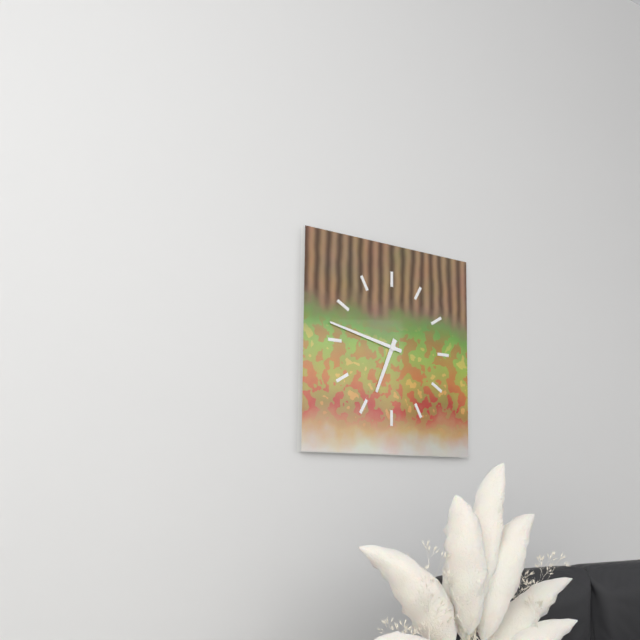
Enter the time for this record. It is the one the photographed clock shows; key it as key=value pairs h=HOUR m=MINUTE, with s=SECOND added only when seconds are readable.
h=6 m=47
